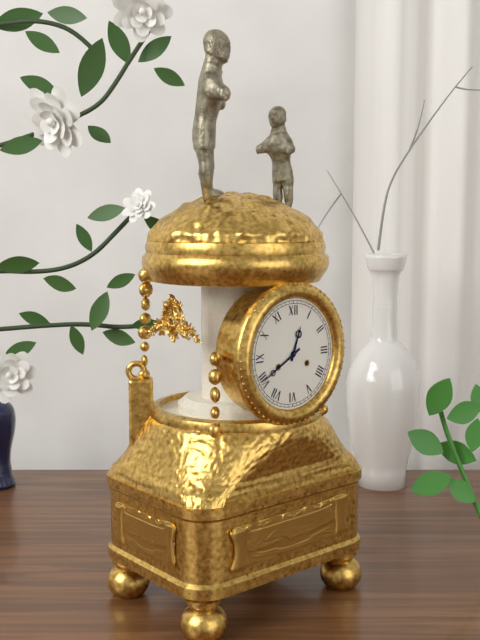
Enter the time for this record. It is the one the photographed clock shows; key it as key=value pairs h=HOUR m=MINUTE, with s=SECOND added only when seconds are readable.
h=12 m=40
